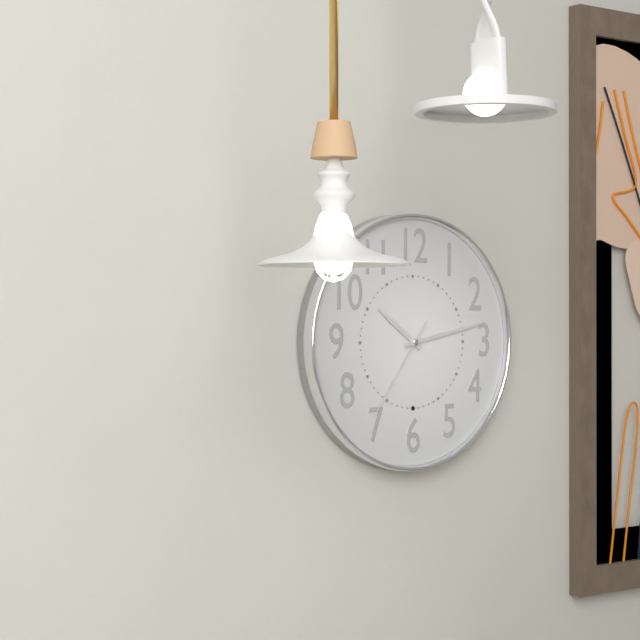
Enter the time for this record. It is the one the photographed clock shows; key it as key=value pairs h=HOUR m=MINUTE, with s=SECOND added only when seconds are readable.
h=10 m=13 s=36
